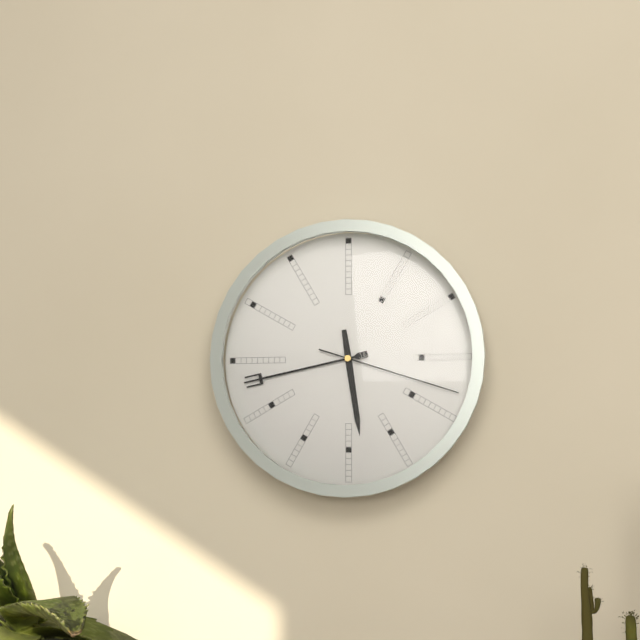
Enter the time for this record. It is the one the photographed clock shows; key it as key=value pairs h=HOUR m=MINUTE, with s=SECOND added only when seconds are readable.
h=5 m=43 s=18
